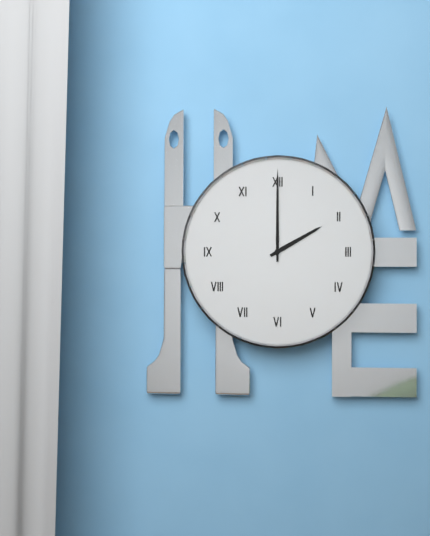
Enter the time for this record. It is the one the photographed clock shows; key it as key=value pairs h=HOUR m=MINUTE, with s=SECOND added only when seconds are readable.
h=2 m=0
